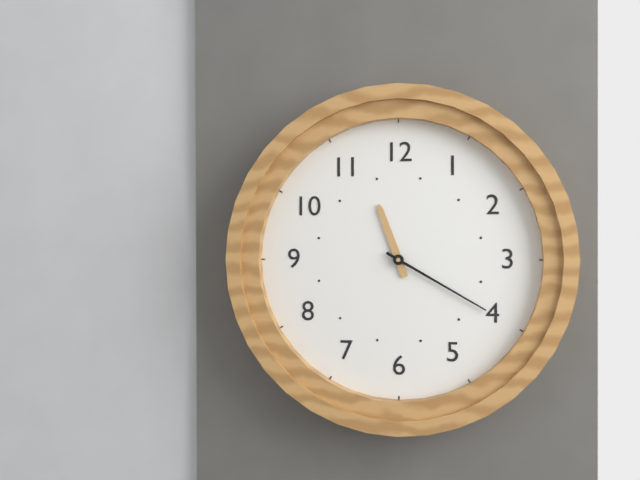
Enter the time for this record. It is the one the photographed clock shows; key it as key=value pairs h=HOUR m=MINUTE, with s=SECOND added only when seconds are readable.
h=11 m=20
